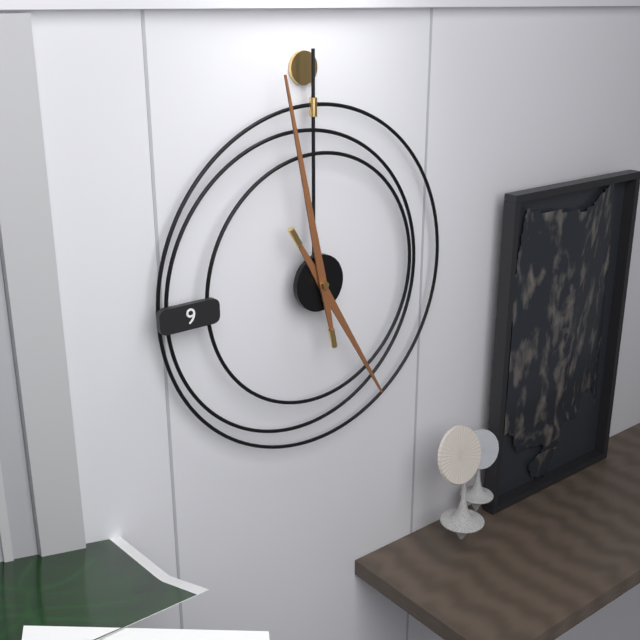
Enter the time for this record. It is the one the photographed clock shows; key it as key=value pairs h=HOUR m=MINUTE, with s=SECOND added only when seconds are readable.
h=4 m=58
